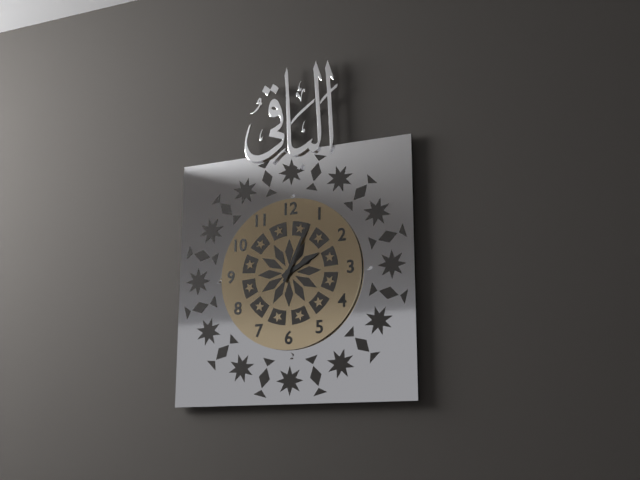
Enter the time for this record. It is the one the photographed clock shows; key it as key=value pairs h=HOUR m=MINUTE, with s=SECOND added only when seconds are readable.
h=2 m=4
